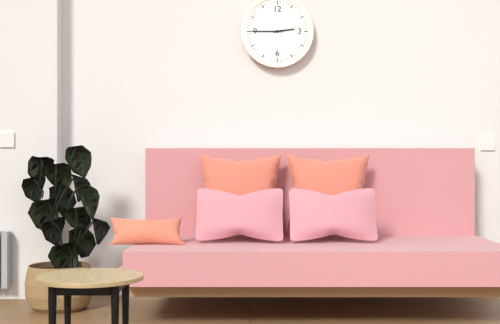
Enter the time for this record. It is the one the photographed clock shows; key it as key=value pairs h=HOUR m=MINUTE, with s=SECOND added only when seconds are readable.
h=2 m=45
